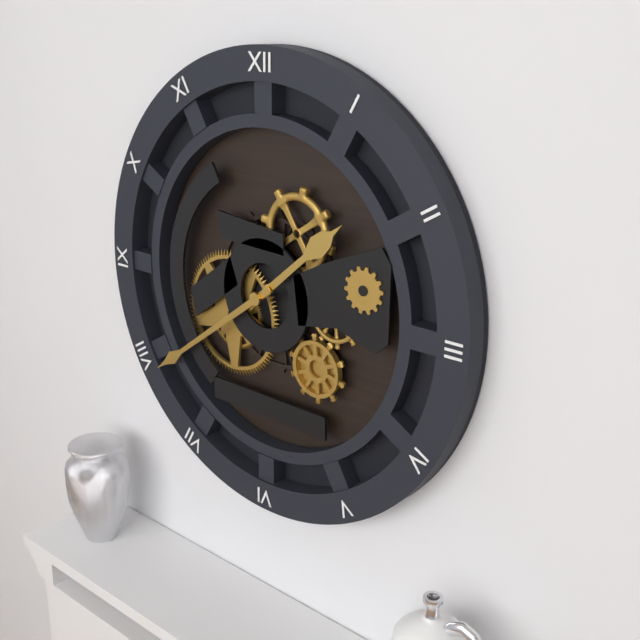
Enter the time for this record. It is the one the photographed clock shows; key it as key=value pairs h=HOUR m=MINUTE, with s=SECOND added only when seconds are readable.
h=1 m=39
